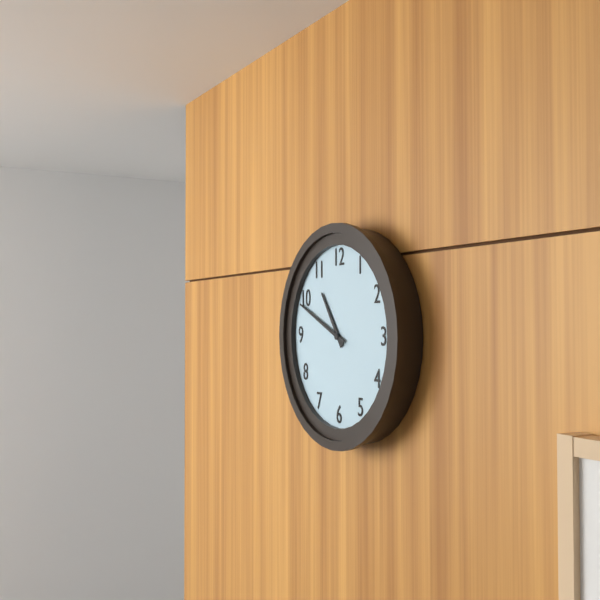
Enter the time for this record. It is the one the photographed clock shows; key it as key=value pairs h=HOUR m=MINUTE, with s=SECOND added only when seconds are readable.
h=10 m=49
